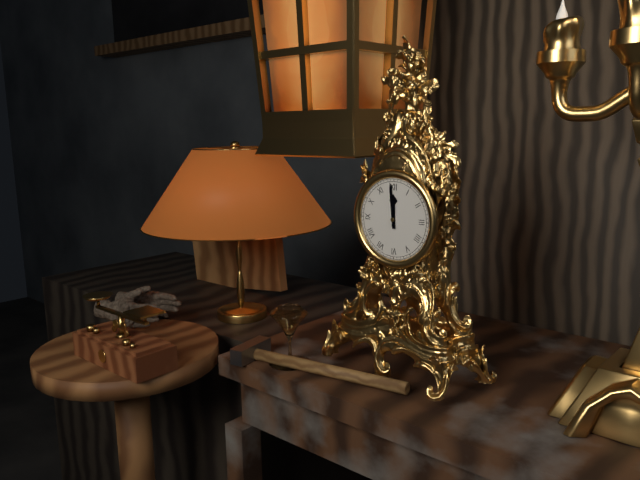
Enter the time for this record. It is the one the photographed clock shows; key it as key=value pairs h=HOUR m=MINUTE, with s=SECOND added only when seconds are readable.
h=11 m=59
